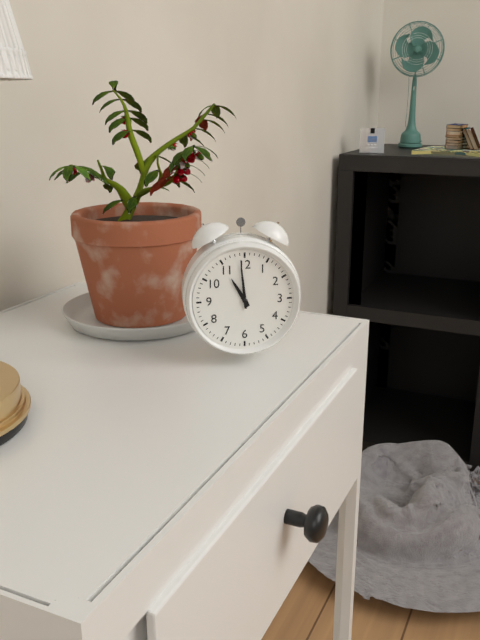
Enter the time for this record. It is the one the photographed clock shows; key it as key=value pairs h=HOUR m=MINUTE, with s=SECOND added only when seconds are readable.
h=10 m=59
